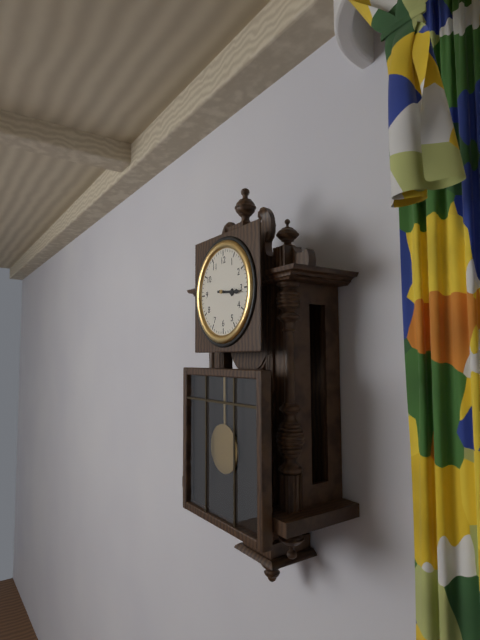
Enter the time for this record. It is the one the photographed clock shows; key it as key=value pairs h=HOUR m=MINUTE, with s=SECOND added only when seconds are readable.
h=3 m=16
